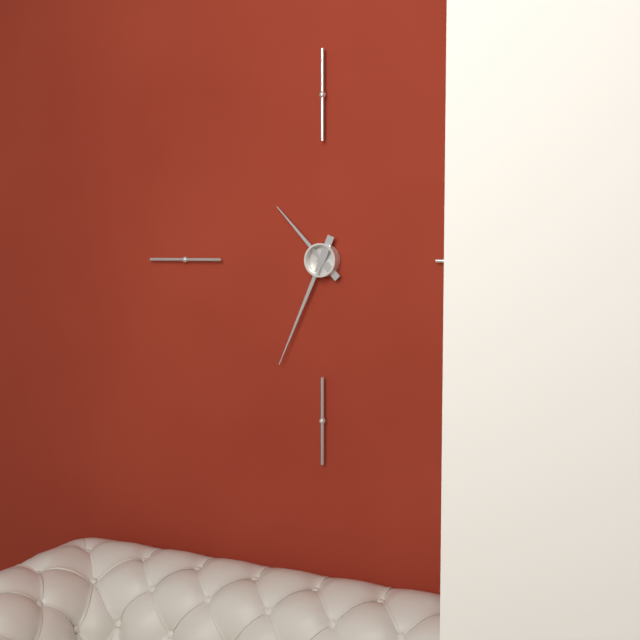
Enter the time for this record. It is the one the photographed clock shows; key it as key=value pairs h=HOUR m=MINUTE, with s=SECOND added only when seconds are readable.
h=10 m=34
